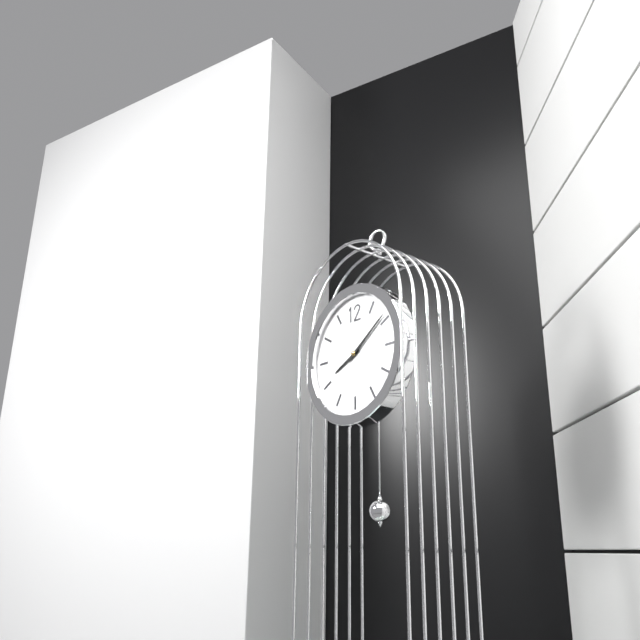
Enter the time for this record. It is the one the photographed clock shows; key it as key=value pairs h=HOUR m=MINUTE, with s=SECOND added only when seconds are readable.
h=8 m=9
